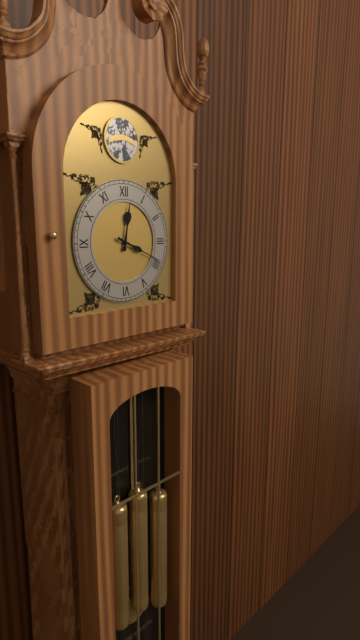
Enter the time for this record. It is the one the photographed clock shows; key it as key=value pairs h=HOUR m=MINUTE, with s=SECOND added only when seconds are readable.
h=12 m=19
